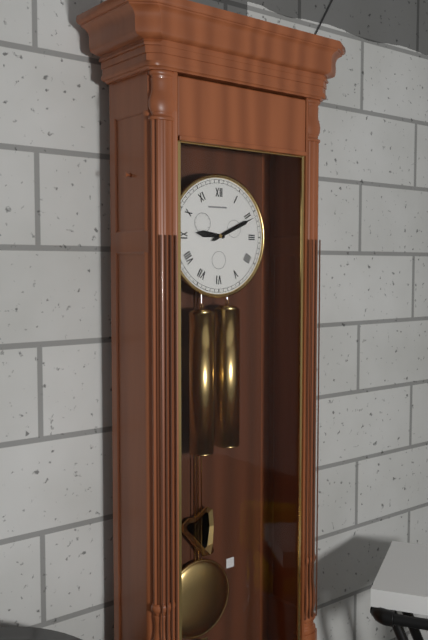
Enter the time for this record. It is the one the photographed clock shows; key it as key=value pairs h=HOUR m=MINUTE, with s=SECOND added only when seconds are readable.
h=9 m=11
